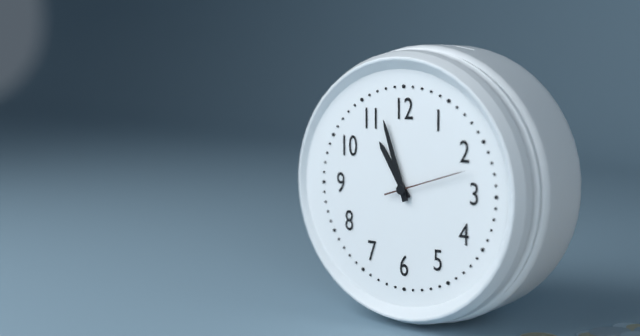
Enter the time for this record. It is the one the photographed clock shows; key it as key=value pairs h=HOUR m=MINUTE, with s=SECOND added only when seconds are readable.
h=10 m=57 s=12
